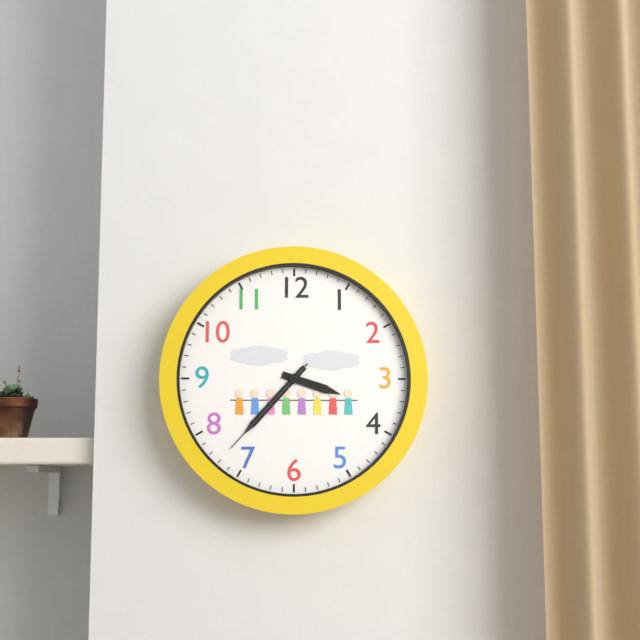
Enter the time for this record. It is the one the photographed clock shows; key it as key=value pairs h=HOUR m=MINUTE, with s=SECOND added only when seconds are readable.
h=3 m=37 s=37
